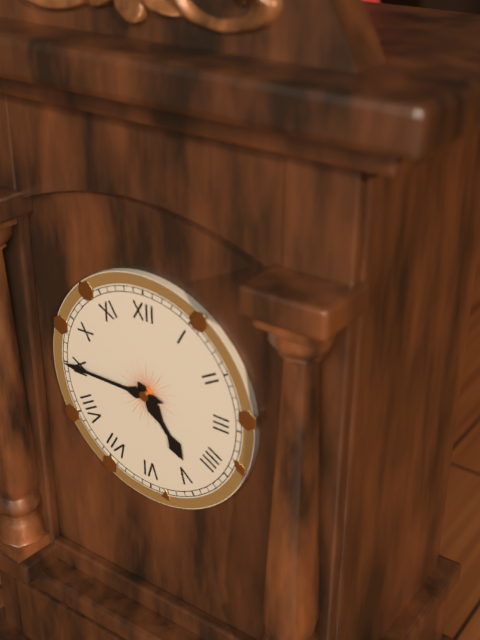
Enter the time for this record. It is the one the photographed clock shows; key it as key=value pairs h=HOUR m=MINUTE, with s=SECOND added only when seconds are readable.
h=4 m=45
